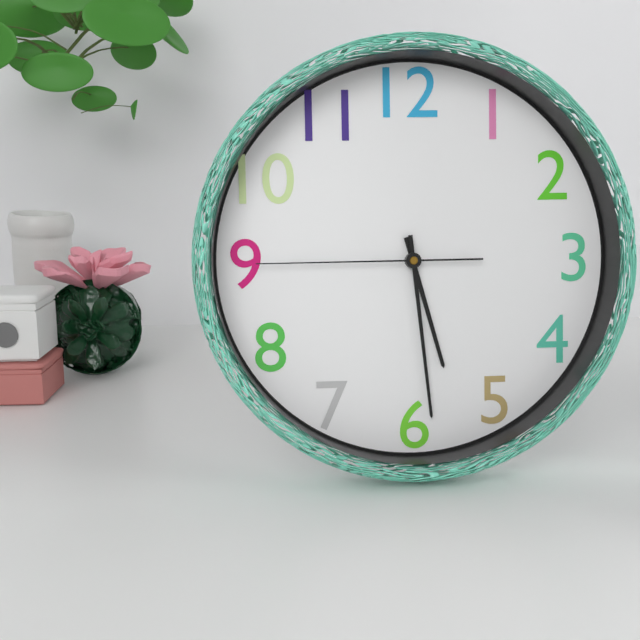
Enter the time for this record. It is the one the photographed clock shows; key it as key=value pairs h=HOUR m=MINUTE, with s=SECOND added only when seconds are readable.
h=5 m=29 s=45
